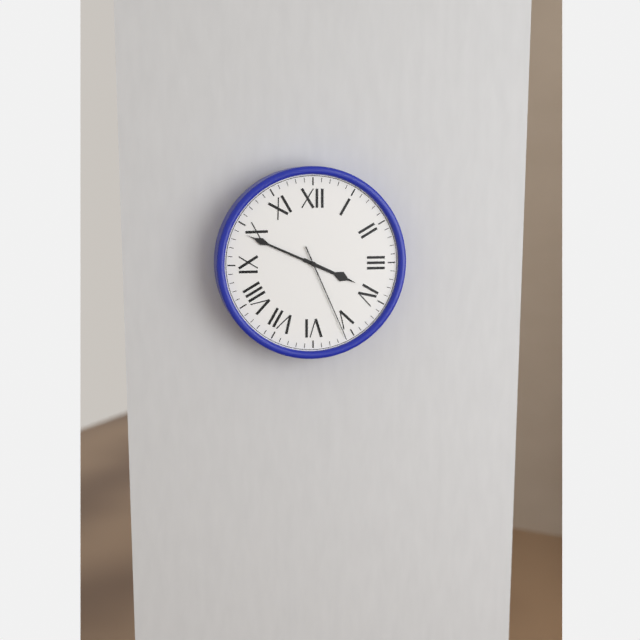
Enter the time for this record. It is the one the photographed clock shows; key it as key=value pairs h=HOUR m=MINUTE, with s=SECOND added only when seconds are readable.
h=3 m=49 s=26
